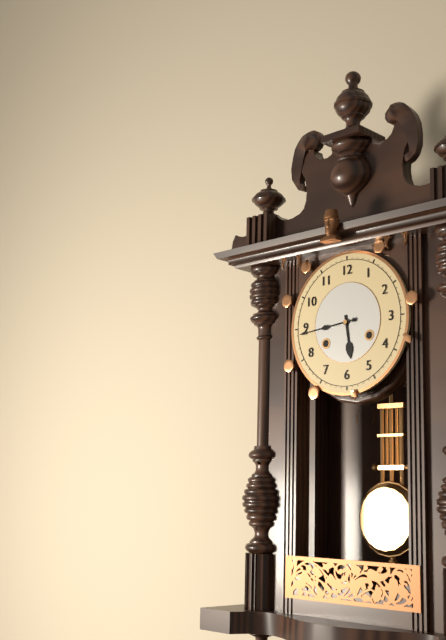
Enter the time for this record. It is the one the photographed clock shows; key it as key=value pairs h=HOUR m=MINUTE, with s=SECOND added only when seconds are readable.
h=5 m=44
